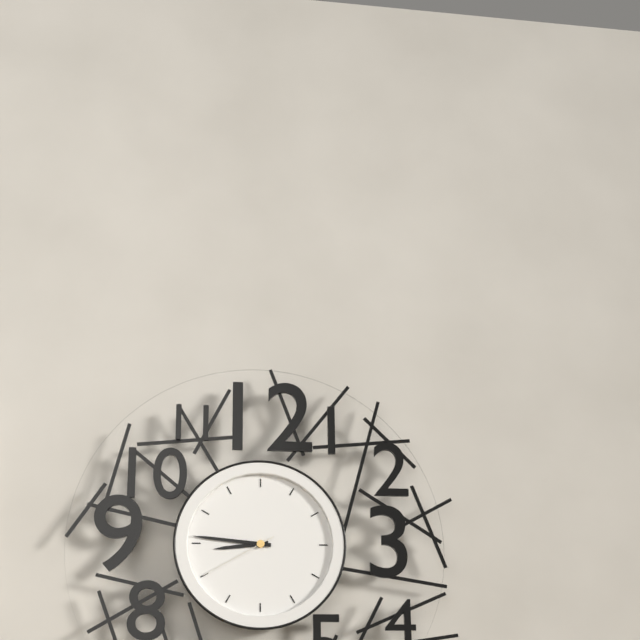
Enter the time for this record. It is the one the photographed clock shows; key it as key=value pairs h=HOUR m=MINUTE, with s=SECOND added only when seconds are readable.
h=8 m=46 s=40
